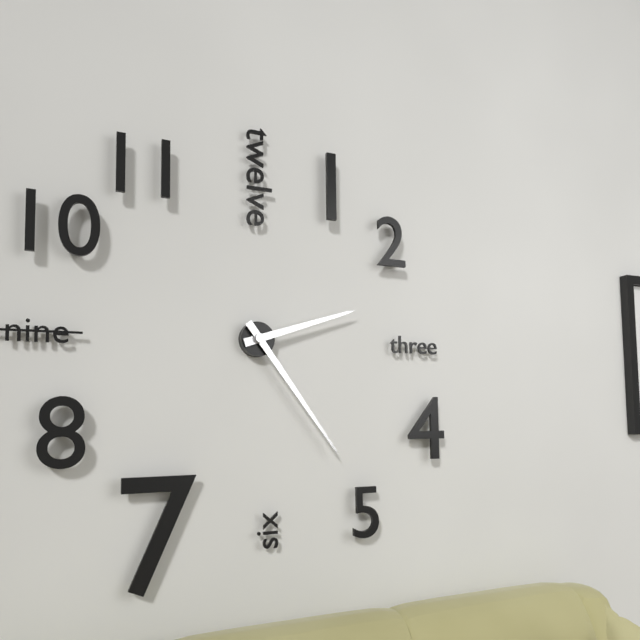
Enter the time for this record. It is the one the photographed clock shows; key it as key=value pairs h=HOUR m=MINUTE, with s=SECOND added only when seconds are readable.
h=2 m=24
